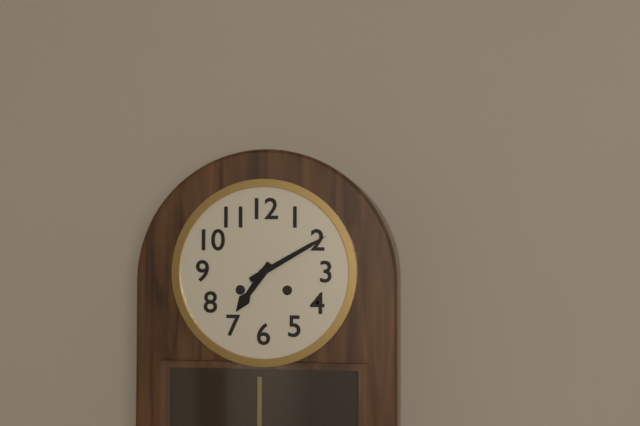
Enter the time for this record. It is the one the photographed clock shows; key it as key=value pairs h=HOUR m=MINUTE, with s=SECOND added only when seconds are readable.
h=7 m=10
